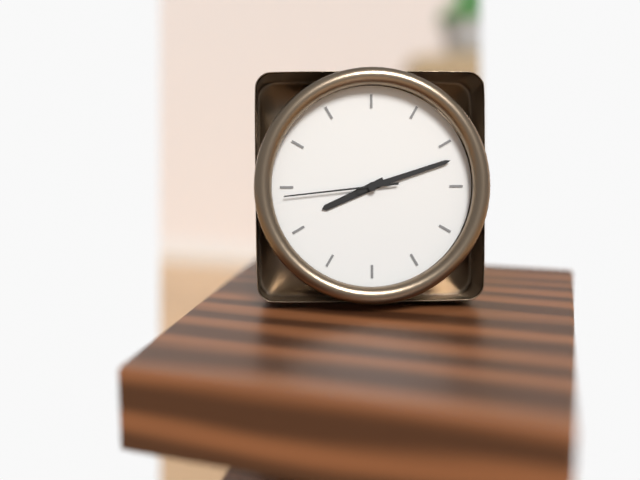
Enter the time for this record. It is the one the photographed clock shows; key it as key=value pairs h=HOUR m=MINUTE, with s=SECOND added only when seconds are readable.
h=8 m=12 s=44
